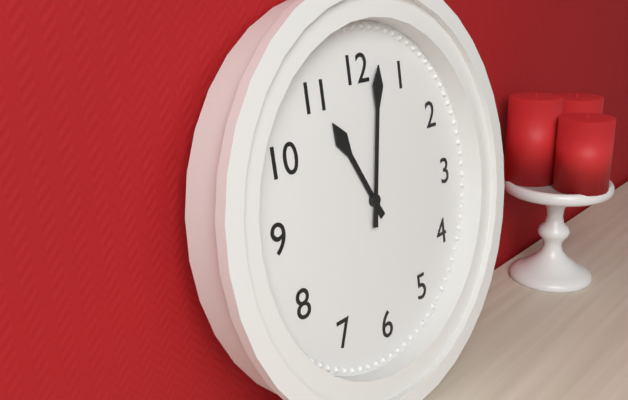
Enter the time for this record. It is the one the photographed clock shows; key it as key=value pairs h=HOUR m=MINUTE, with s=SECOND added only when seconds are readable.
h=11 m=2
